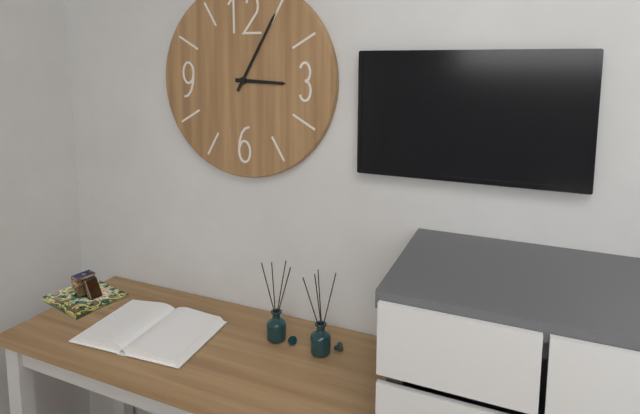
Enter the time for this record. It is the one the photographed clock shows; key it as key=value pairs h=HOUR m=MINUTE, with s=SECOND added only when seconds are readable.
h=3 m=5
